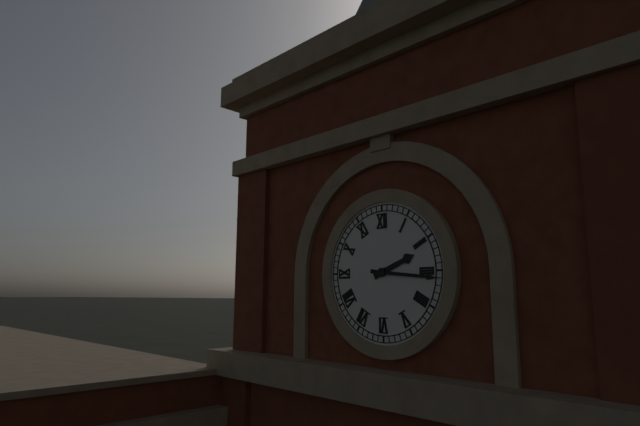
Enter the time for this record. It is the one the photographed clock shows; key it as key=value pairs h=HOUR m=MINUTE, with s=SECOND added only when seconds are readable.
h=2 m=16
